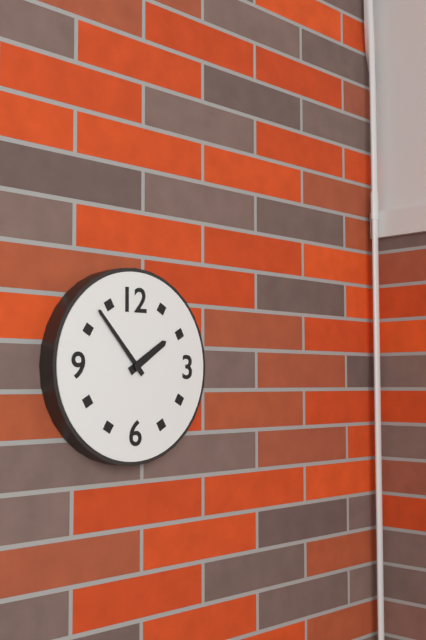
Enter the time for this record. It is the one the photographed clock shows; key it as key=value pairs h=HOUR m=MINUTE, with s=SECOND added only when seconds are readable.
h=1 m=53
